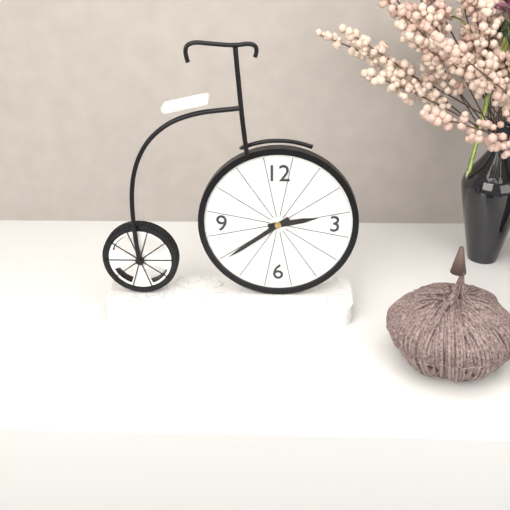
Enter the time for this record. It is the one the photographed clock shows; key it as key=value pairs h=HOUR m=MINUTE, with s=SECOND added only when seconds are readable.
h=2 m=39
